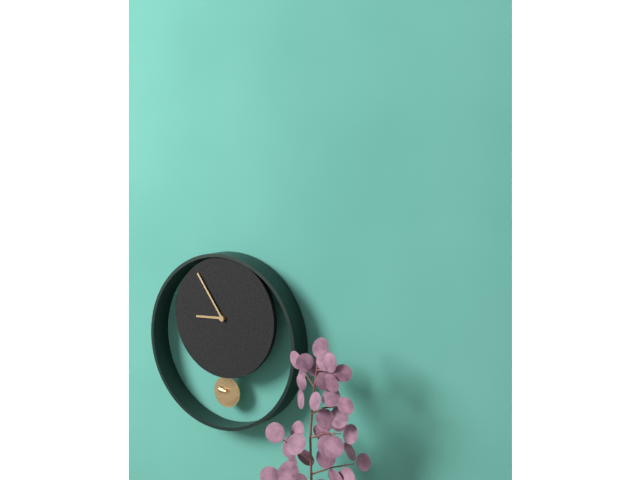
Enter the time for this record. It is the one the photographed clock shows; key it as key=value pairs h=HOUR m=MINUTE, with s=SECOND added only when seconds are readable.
h=8 m=54
